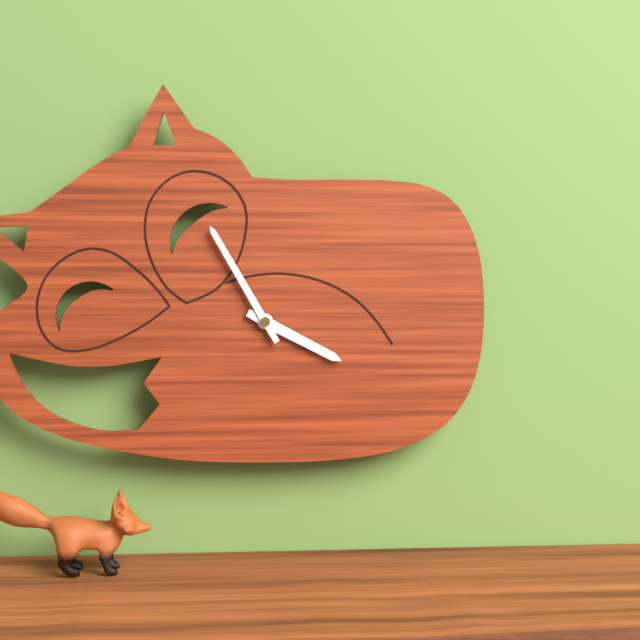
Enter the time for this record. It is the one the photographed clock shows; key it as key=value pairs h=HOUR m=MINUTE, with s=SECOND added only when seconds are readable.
h=3 m=55
